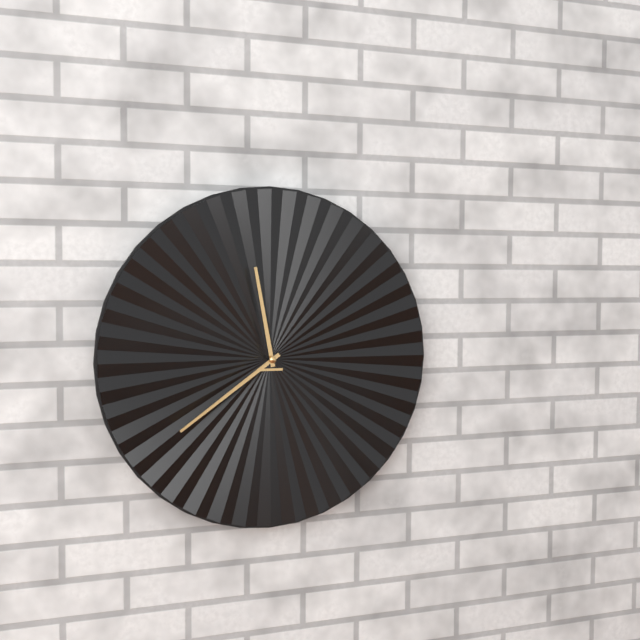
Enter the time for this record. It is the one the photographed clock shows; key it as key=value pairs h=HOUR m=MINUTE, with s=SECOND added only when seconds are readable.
h=11 m=39
